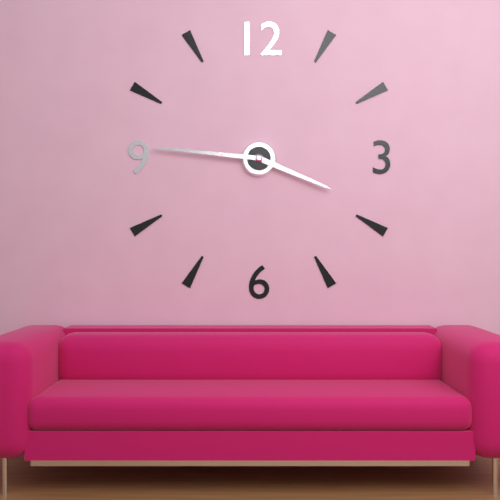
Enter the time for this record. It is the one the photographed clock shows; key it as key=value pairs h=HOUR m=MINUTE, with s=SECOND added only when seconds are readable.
h=3 m=46
